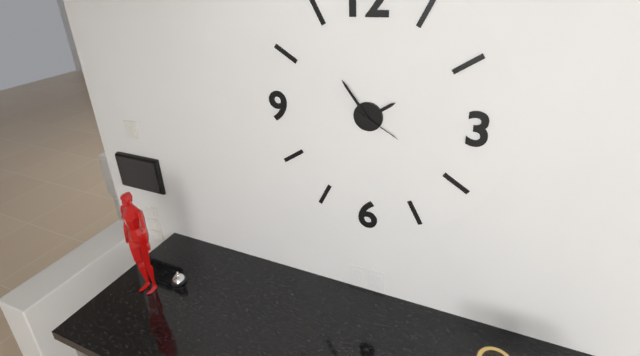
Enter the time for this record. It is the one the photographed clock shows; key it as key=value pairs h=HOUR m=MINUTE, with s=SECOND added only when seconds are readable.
h=1 m=54
